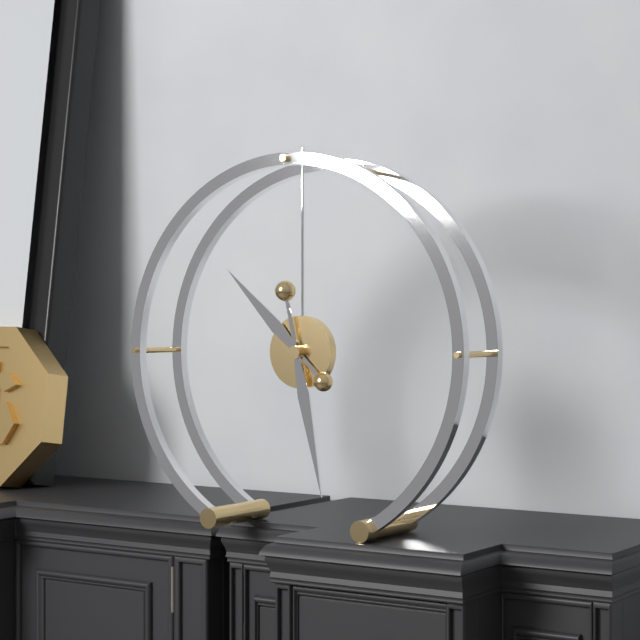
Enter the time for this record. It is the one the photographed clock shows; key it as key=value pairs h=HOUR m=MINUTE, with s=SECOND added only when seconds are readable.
h=10 m=28
